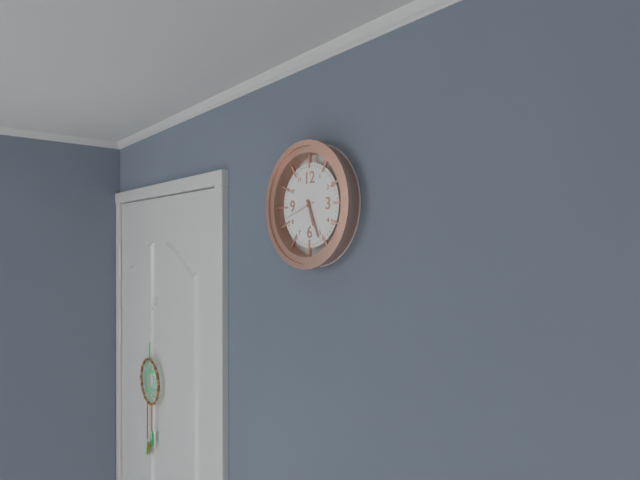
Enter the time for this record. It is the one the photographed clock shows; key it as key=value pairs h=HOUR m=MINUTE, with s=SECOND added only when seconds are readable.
h=5 m=26
